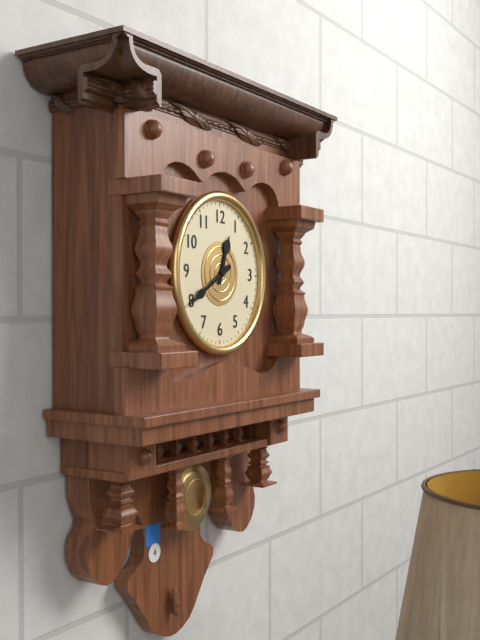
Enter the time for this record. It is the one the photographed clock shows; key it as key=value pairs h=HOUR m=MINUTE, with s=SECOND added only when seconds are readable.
h=12 m=40
